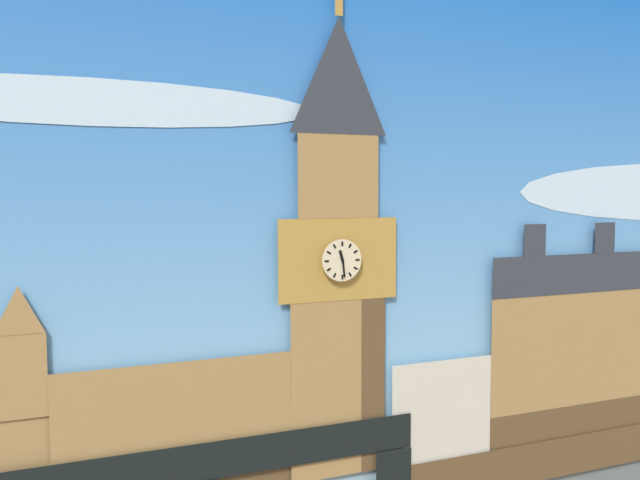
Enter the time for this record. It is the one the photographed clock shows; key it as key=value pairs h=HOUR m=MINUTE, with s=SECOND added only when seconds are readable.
h=11 m=29
